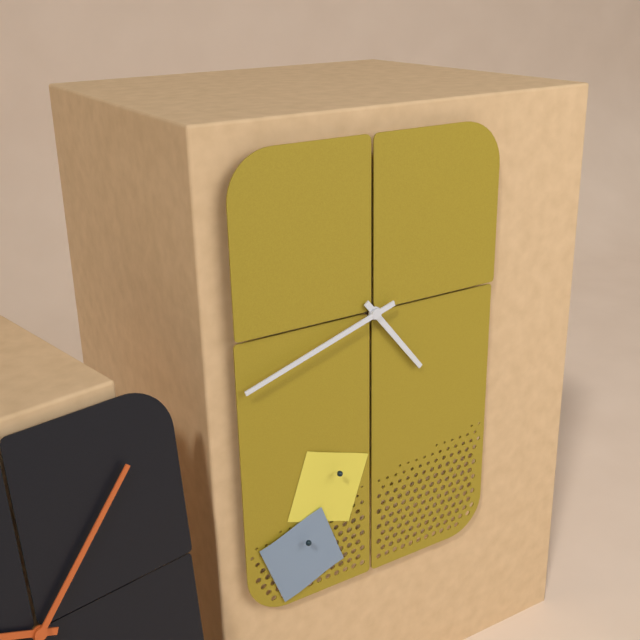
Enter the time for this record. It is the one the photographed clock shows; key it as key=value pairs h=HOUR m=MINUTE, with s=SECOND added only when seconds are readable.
h=4 m=42
